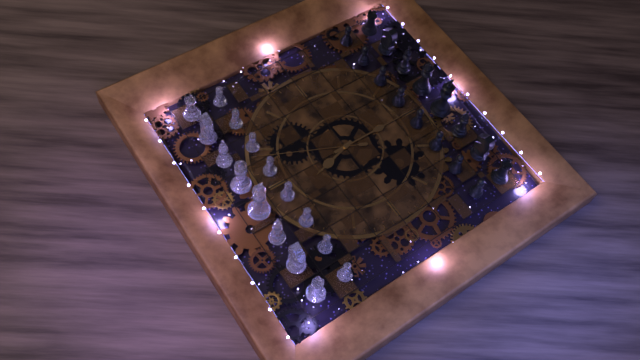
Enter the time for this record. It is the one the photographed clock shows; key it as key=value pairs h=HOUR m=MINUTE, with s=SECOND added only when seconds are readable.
h=11 m=30 s=4
